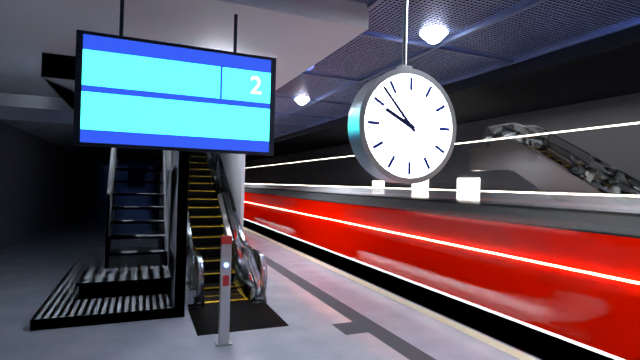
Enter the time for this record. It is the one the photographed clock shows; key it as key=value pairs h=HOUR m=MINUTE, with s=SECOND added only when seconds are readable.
h=9 m=53
